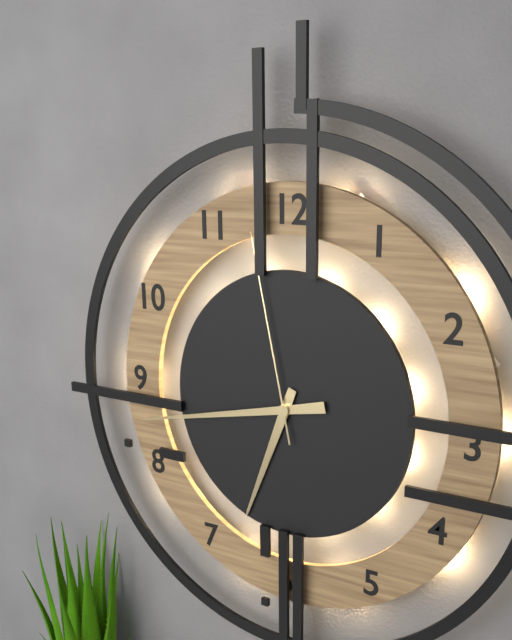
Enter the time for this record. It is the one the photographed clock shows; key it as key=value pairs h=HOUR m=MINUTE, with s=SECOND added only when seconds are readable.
h=6 m=43 s=58
